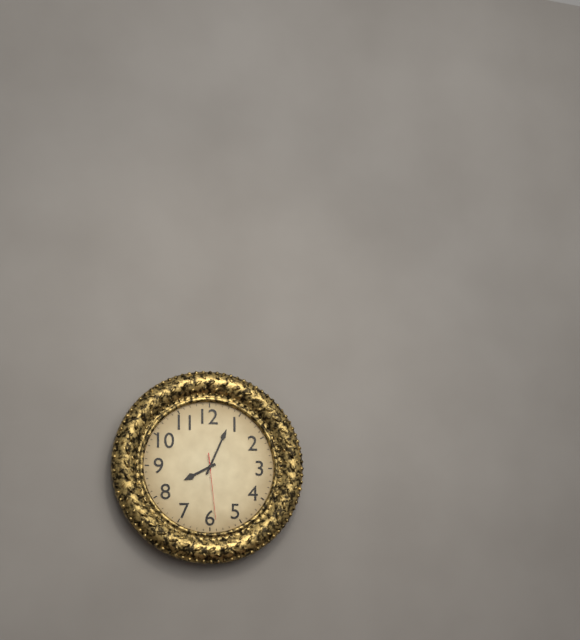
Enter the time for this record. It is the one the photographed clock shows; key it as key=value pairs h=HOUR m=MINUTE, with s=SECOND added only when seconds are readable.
h=8 m=4 s=29
